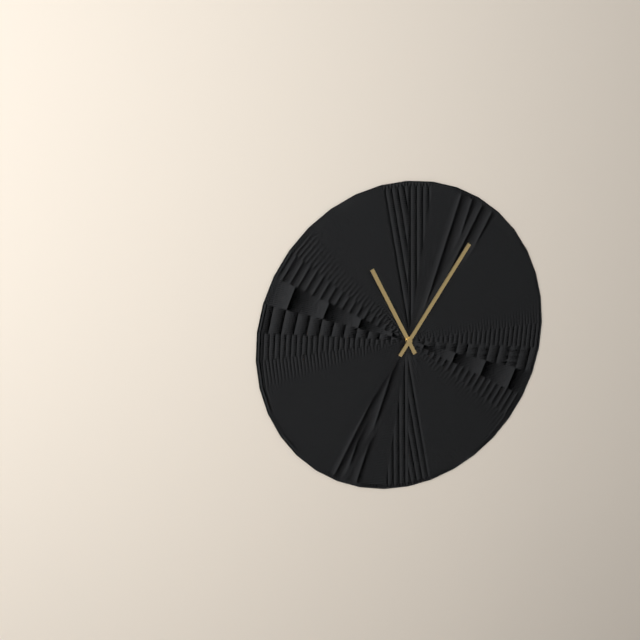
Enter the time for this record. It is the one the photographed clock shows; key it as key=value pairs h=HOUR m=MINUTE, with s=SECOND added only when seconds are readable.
h=11 m=6
